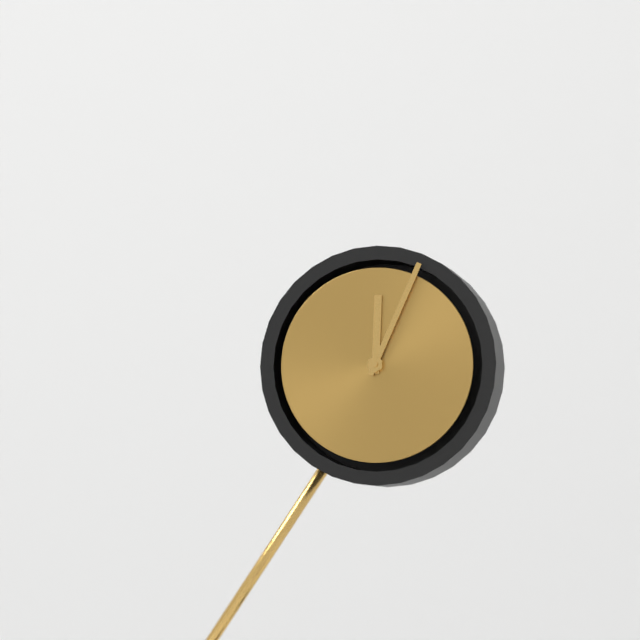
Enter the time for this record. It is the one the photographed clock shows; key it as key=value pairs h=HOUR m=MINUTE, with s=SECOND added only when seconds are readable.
h=12 m=4
